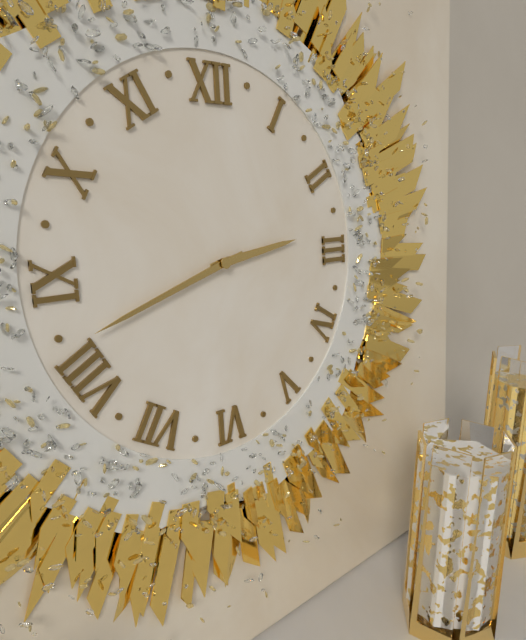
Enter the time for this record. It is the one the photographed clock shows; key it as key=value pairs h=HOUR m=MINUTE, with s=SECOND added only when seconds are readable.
h=2 m=42
